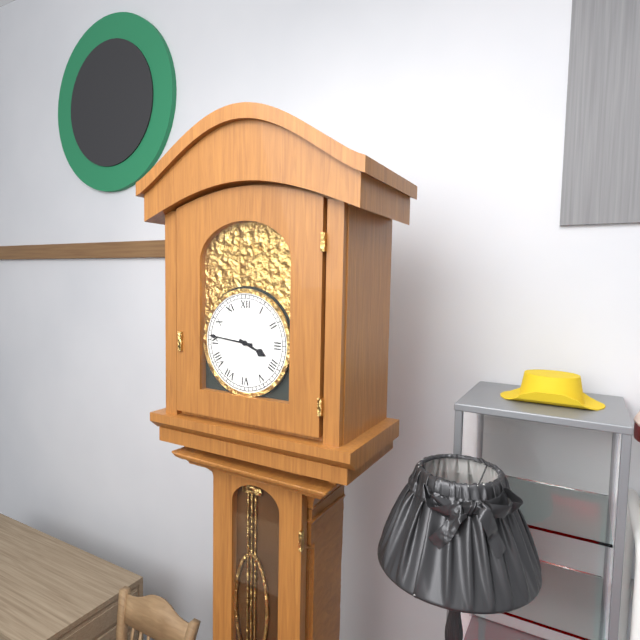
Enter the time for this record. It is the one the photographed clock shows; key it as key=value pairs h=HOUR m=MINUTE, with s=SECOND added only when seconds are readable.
h=3 m=46
